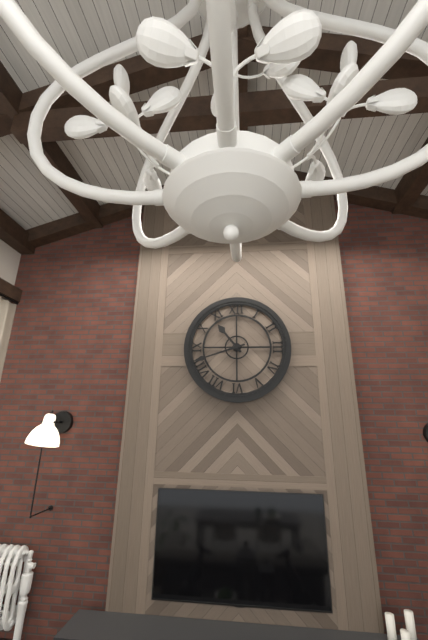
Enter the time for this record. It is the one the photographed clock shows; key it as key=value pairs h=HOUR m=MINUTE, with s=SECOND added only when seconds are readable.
h=10 m=42
